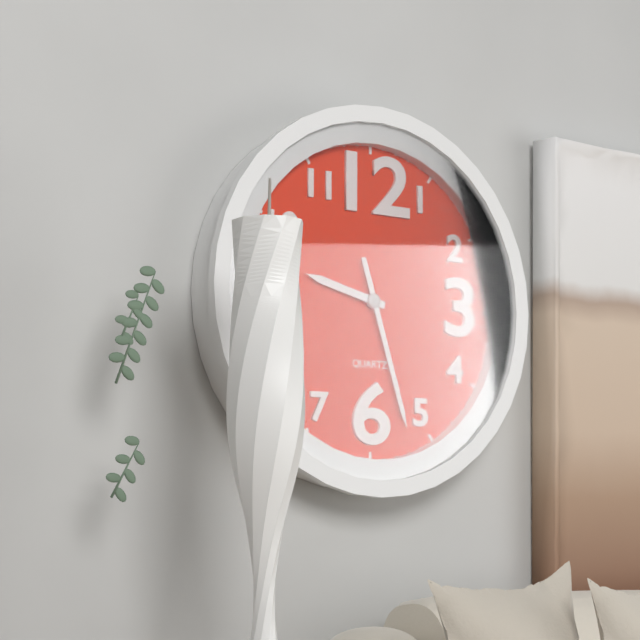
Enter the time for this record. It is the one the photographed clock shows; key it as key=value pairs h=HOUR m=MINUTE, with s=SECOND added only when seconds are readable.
h=9 m=27
